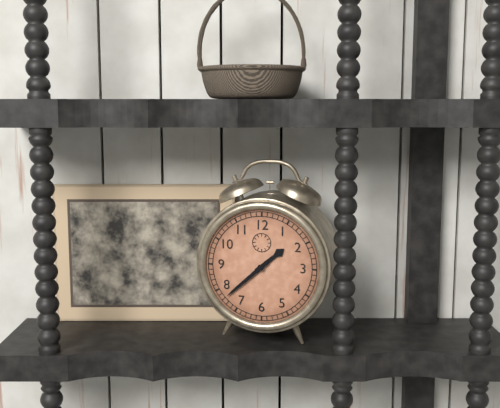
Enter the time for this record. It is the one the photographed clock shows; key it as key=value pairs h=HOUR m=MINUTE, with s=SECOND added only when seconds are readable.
h=1 m=38
